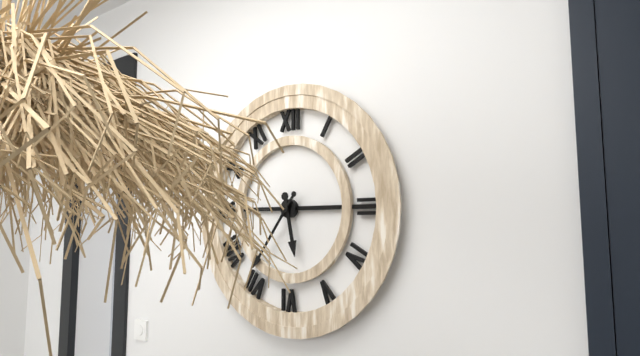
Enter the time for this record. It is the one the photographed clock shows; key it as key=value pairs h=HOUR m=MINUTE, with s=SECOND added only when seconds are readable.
h=5 m=36
